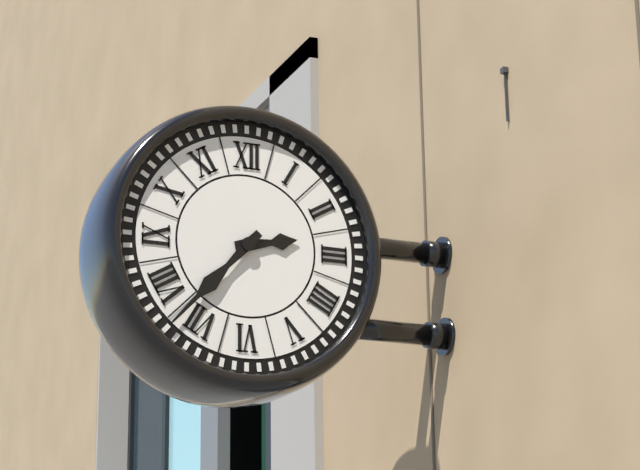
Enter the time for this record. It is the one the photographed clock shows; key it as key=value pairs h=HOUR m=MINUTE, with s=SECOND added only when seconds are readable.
h=2 m=37
